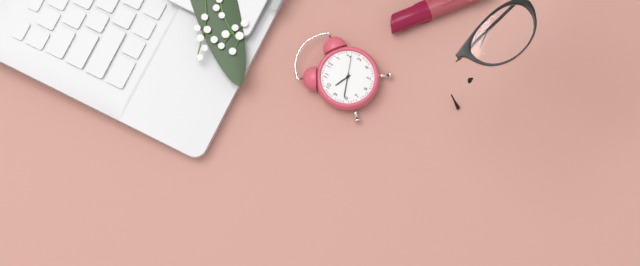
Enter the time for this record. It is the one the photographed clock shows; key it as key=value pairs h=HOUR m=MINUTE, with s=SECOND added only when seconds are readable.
h=9 m=41
